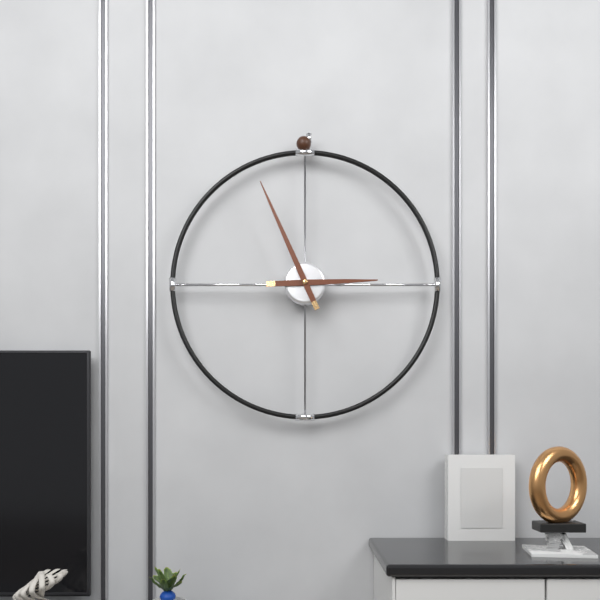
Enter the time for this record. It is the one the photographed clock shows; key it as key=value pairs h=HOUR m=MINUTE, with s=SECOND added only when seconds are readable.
h=2 m=56
